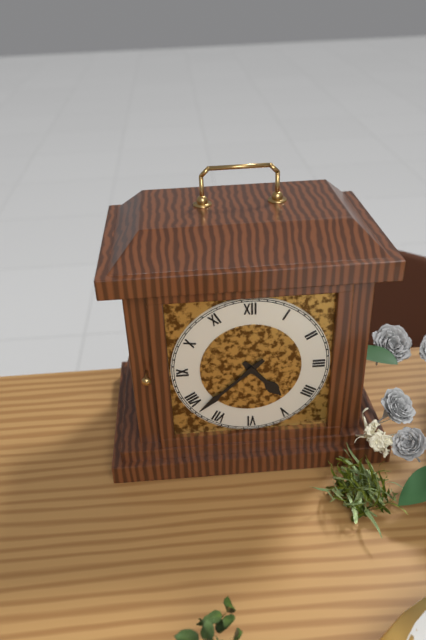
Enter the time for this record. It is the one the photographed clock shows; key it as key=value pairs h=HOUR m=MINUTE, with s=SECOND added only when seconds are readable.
h=4 m=38
